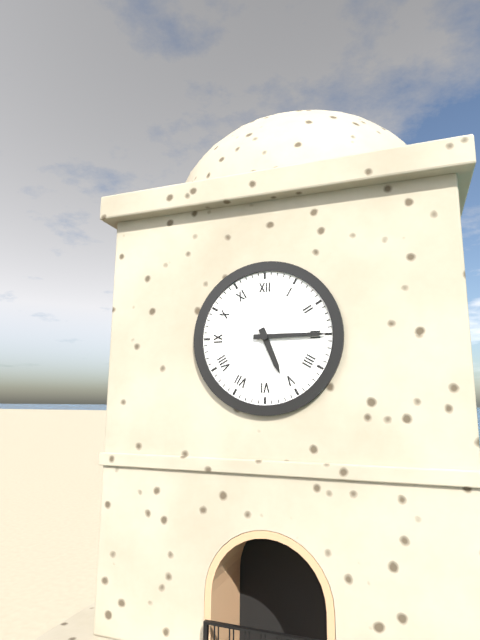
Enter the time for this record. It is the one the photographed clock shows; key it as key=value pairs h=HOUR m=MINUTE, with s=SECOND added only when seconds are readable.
h=5 m=15
